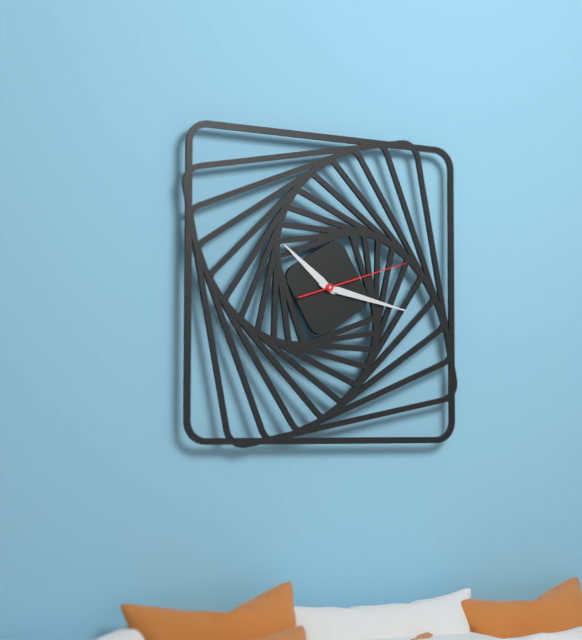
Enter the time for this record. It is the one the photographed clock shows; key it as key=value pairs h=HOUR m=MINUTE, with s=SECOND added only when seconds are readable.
h=10 m=17 s=12
